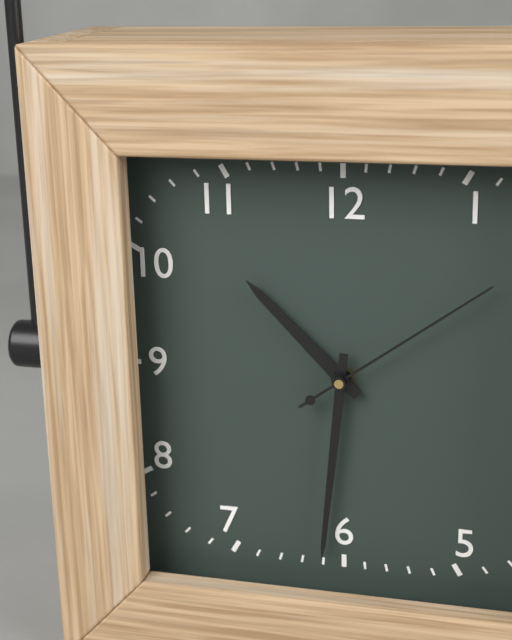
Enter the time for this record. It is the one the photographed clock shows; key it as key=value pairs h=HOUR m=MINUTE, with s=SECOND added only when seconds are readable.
h=10 m=31 s=9
